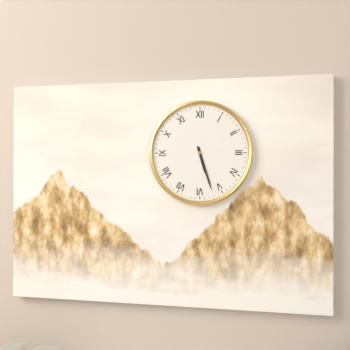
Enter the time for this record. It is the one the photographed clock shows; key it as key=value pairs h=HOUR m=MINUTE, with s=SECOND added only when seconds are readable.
h=5 m=27
